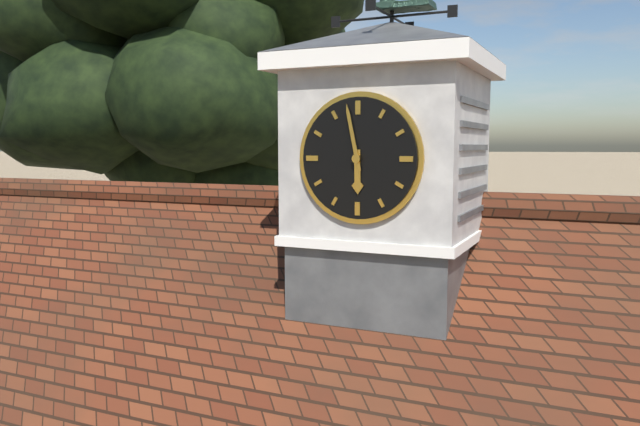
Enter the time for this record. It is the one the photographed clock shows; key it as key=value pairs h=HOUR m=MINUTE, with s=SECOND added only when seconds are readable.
h=5 m=58
